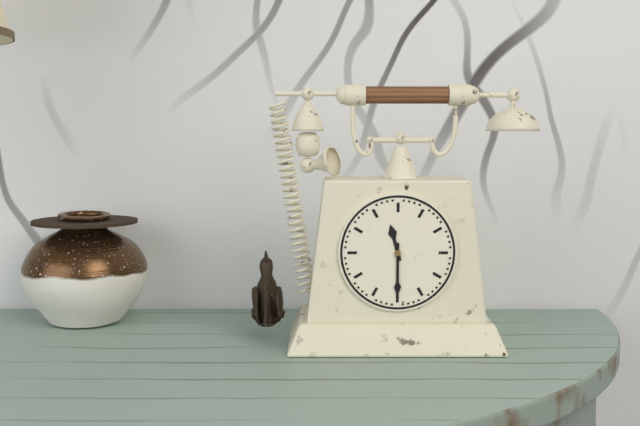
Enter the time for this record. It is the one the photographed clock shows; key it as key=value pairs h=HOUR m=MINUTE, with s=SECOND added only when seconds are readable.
h=11 m=30
